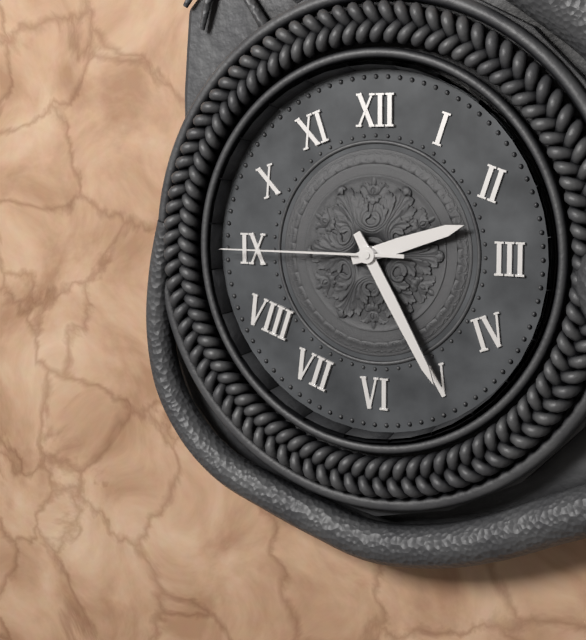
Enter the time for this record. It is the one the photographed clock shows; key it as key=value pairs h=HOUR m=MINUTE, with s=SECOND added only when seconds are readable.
h=2 m=25 s=45
